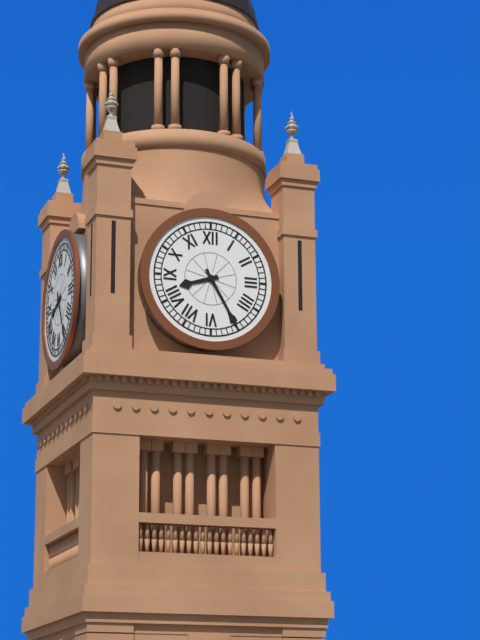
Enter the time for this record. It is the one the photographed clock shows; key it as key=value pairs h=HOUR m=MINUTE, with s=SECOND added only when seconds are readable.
h=8 m=25
